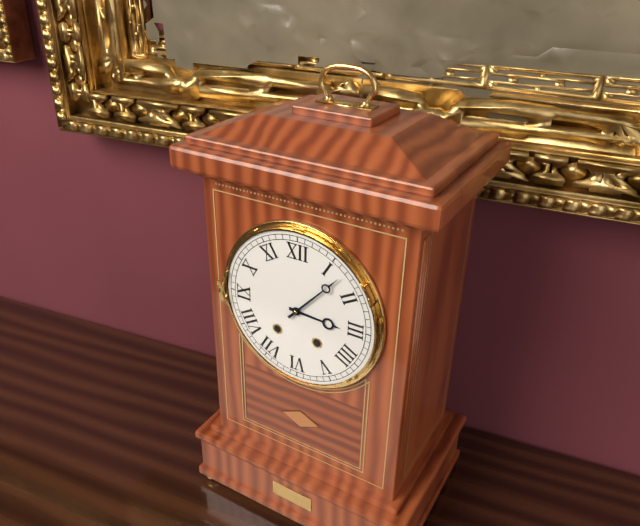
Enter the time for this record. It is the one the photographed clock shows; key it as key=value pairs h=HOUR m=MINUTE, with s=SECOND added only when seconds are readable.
h=3 m=7
